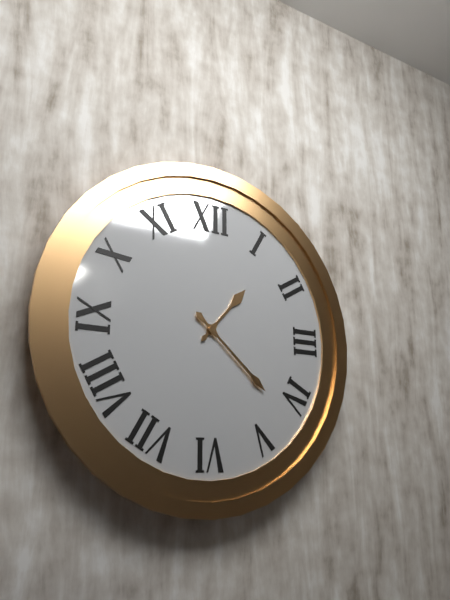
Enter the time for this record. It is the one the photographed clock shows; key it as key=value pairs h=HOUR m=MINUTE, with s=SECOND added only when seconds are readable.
h=1 m=22
